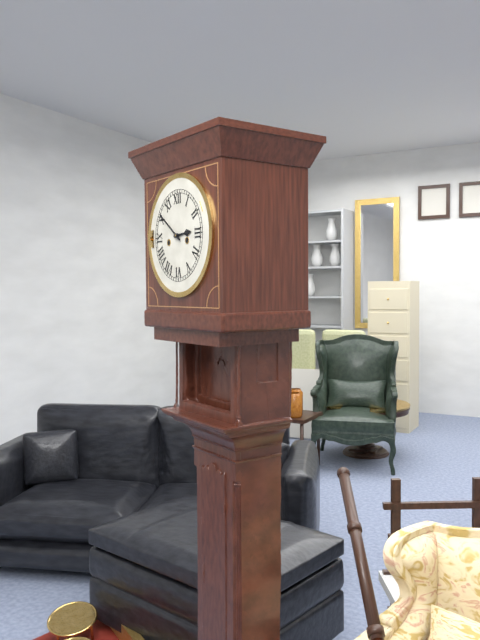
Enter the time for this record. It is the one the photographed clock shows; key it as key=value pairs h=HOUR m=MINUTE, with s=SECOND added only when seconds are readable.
h=2 m=51
